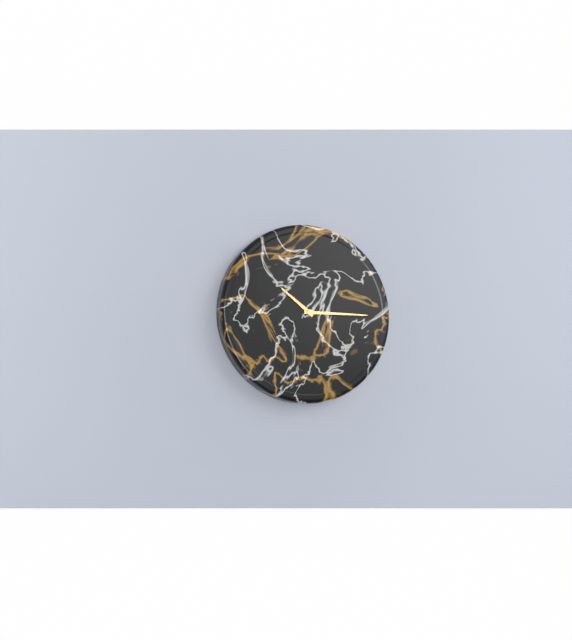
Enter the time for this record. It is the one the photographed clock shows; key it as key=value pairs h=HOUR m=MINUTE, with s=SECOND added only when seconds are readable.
h=10 m=15
